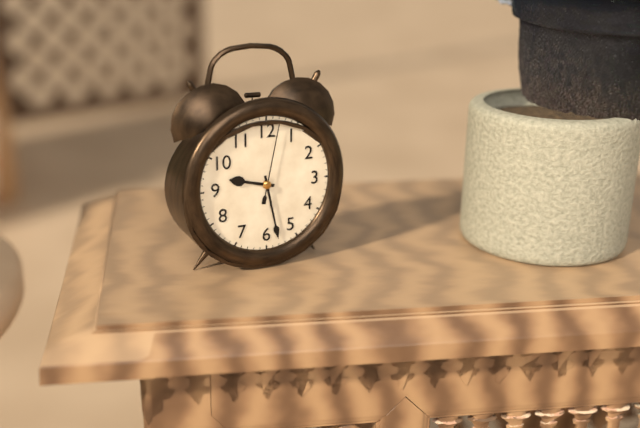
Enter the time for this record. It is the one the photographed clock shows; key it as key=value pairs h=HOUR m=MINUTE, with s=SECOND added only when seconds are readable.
h=9 m=28 s=2
